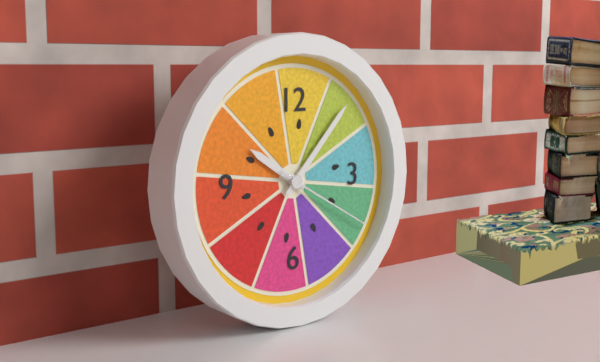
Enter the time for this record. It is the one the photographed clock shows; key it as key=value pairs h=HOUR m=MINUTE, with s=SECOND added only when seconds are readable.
h=10 m=7 s=20
